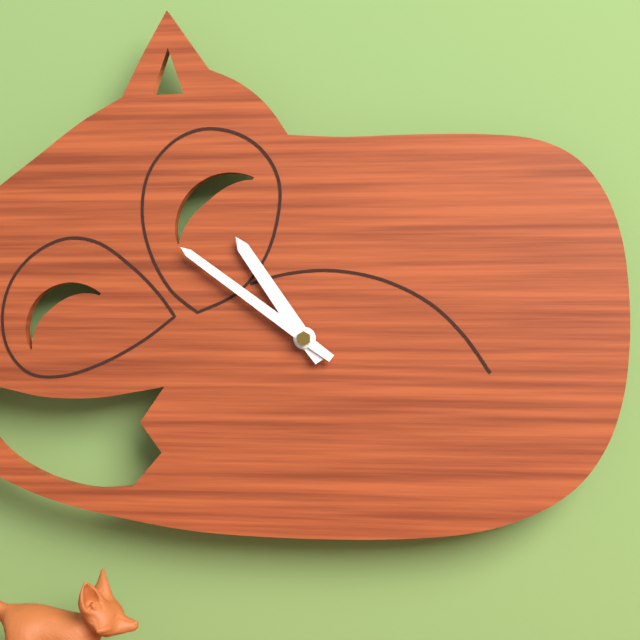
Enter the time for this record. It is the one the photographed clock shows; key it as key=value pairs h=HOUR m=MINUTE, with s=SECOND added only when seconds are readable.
h=10 m=51
